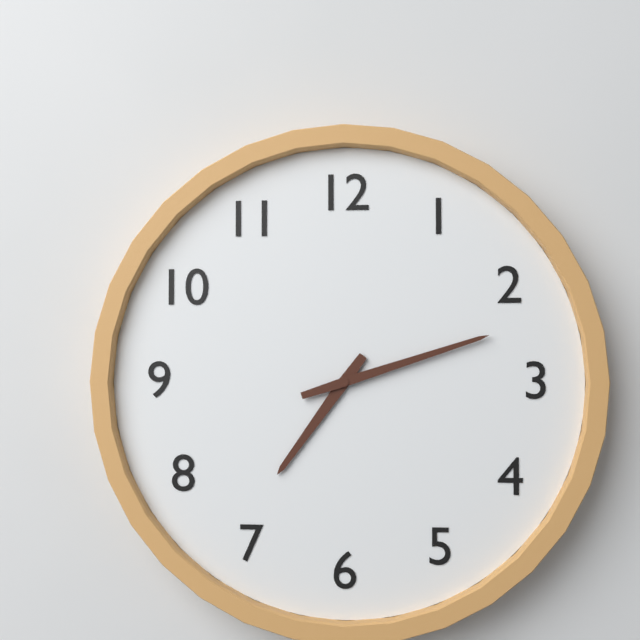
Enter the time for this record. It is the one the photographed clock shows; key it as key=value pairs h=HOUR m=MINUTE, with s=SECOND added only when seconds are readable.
h=7 m=12
